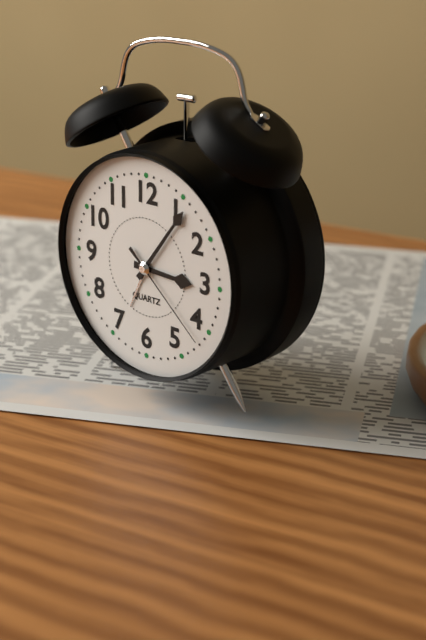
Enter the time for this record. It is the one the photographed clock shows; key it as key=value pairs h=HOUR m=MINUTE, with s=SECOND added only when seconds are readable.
h=3 m=6 s=22
